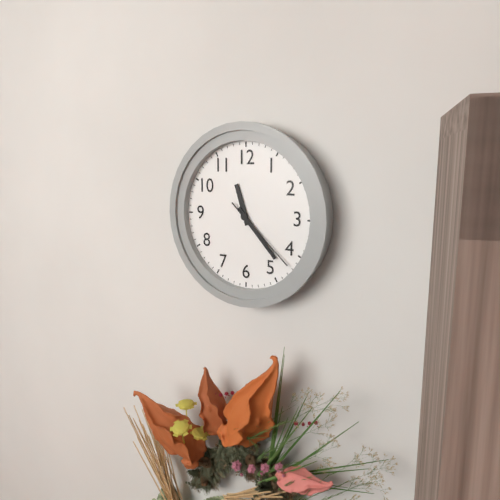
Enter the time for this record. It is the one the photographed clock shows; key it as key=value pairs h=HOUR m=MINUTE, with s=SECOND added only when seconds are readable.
h=11 m=23 s=22
